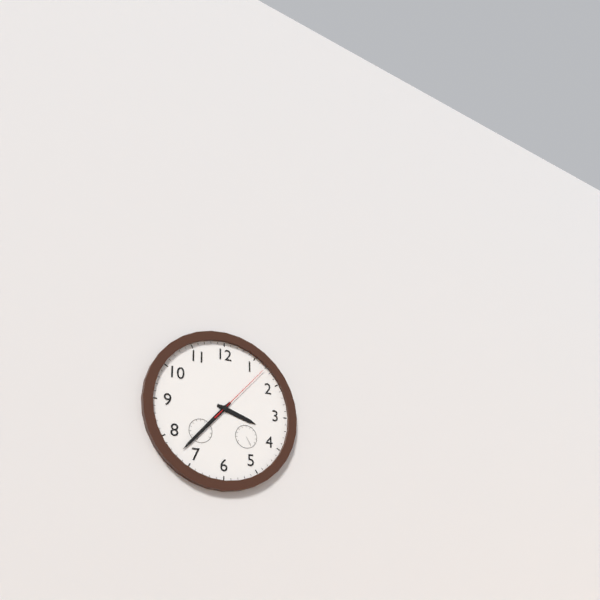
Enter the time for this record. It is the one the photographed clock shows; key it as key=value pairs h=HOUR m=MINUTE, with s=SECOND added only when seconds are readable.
h=3 m=37 s=7
